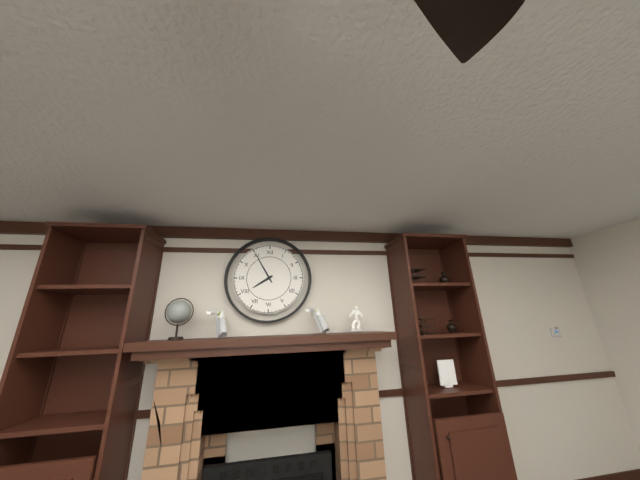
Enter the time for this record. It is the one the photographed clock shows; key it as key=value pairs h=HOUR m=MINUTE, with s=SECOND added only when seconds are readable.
h=7 m=55
